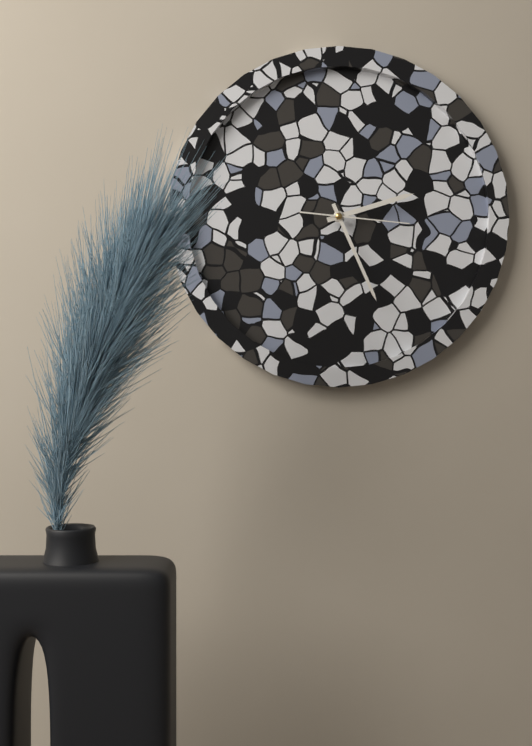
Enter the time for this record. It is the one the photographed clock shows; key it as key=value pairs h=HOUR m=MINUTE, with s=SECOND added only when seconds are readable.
h=2 m=26 s=16
